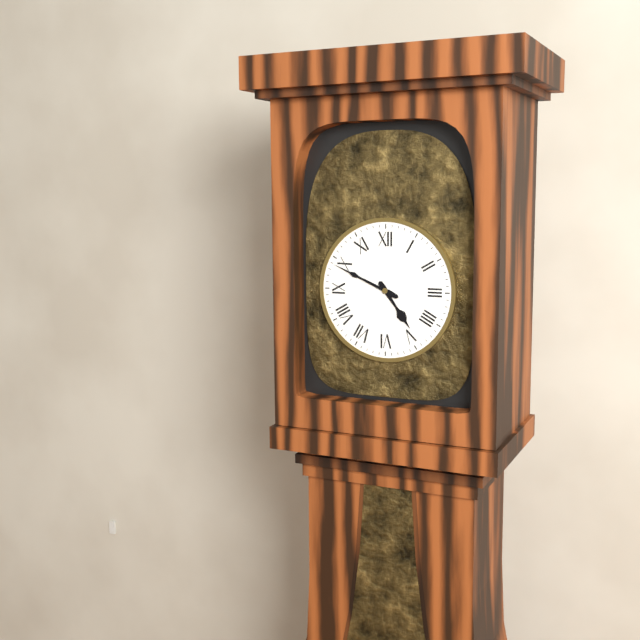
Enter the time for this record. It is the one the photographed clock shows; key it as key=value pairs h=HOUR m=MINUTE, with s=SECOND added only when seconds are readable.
h=4 m=49
